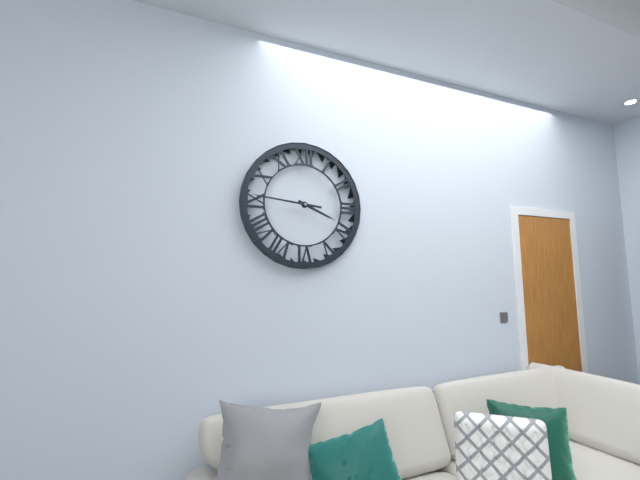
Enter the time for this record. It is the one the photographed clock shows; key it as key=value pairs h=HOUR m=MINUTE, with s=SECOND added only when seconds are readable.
h=3 m=46
